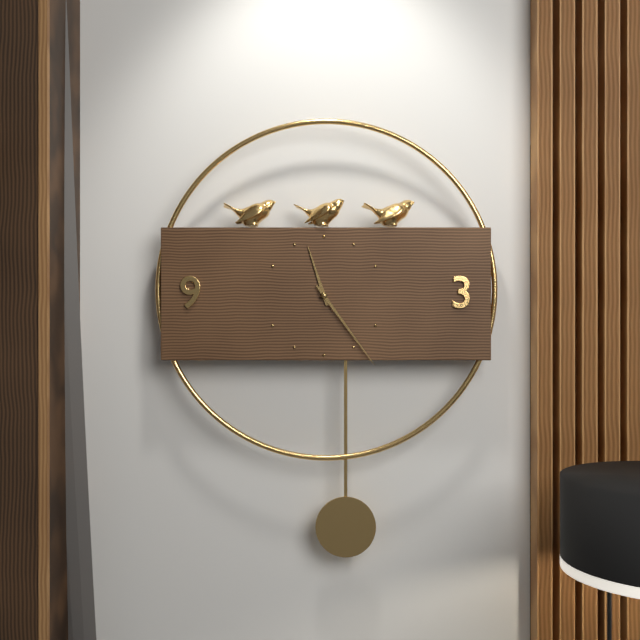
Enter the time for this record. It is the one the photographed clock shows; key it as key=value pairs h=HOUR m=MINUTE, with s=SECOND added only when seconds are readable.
h=11 m=24
